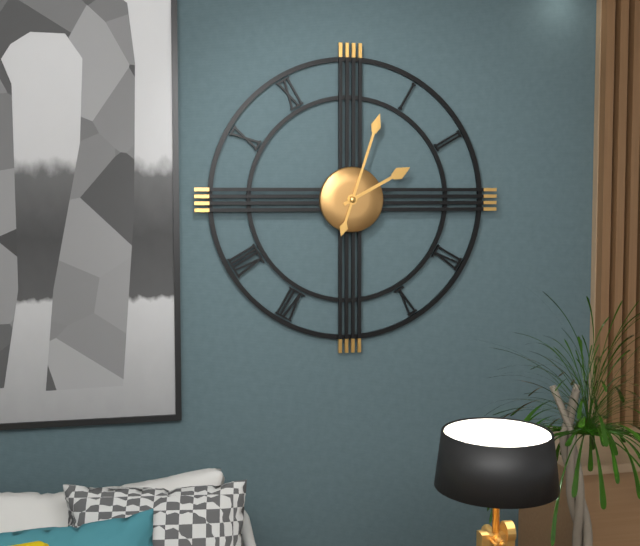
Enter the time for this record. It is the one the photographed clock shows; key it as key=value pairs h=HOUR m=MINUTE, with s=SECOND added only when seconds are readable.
h=2 m=3
